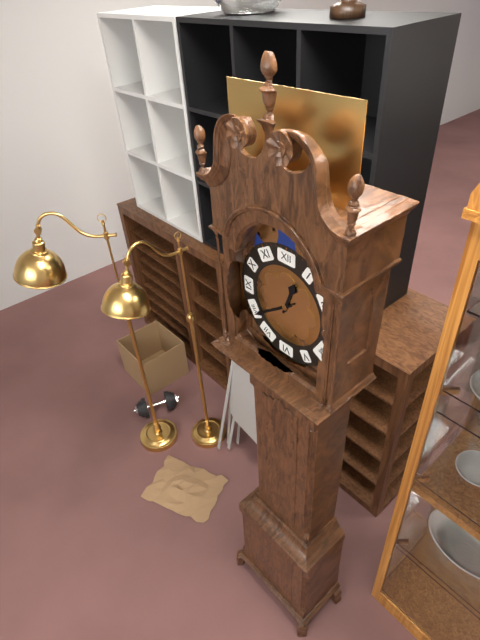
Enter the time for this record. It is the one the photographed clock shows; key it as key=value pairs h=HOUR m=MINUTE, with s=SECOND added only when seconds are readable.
h=12 m=39
